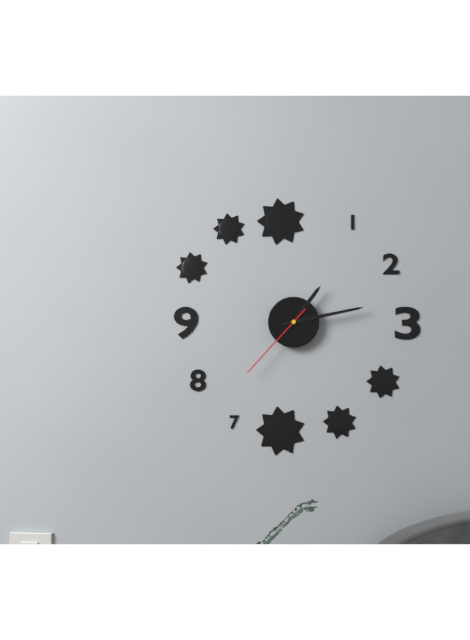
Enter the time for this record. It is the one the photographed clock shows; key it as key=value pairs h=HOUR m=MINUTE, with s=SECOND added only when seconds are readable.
h=1 m=13 s=37
